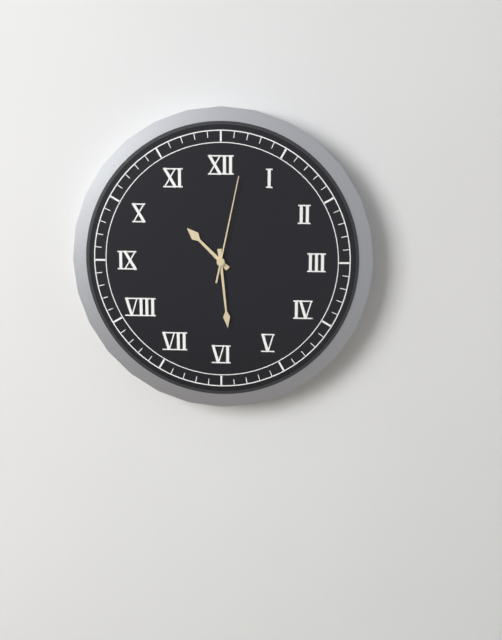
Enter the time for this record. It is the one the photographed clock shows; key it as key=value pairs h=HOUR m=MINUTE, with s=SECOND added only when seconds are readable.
h=10 m=29 s=2
